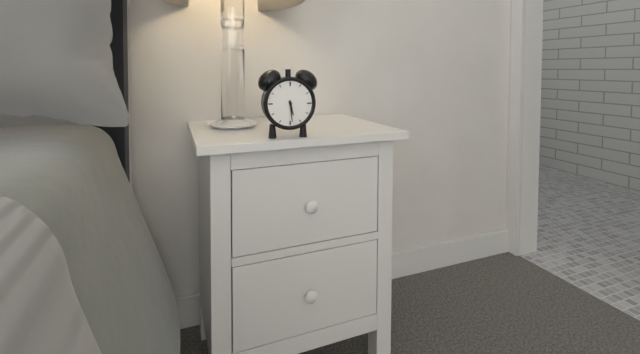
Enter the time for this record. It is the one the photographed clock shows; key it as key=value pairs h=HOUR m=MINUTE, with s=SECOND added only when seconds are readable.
h=5 m=29
